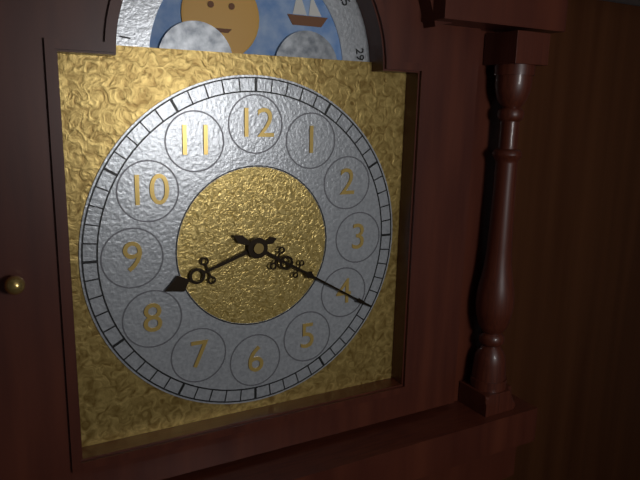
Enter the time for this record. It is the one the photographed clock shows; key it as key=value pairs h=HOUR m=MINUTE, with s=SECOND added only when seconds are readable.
h=8 m=20
